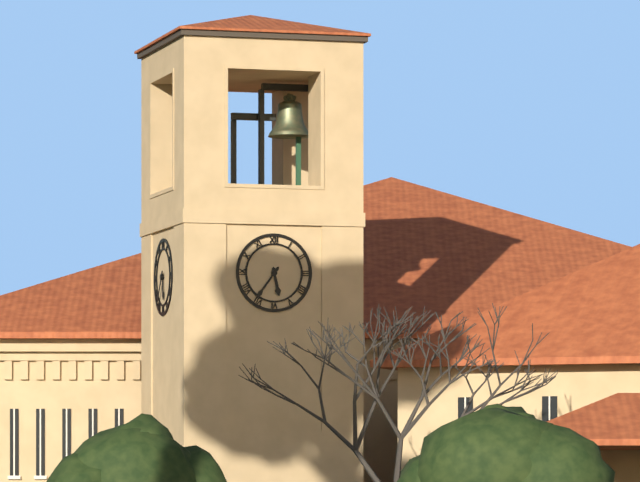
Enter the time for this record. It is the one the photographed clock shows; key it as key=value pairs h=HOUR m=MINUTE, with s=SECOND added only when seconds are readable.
h=5 m=36
